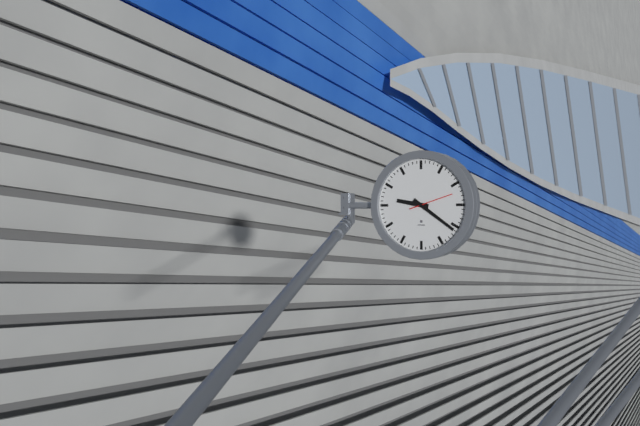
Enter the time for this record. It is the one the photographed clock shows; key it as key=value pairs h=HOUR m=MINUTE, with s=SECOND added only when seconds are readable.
h=9 m=21
